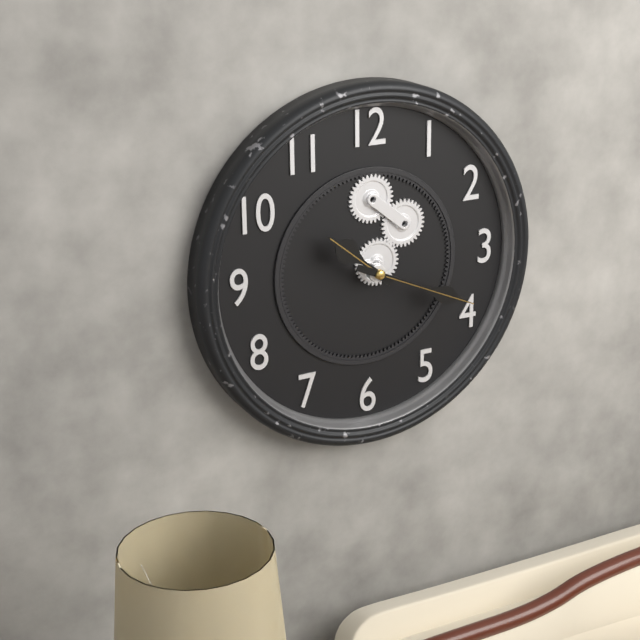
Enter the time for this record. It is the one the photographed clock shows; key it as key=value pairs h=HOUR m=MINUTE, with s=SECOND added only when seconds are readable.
h=10 m=19
